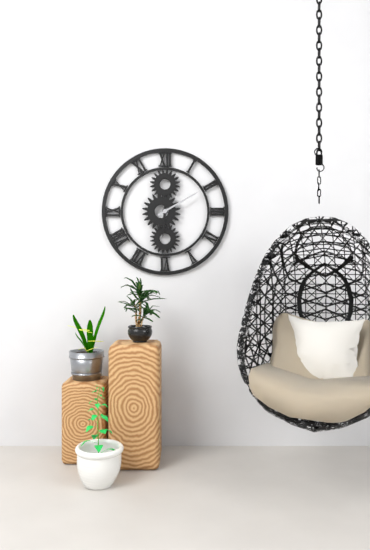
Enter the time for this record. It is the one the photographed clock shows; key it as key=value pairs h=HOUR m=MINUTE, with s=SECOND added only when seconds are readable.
h=6 m=10
